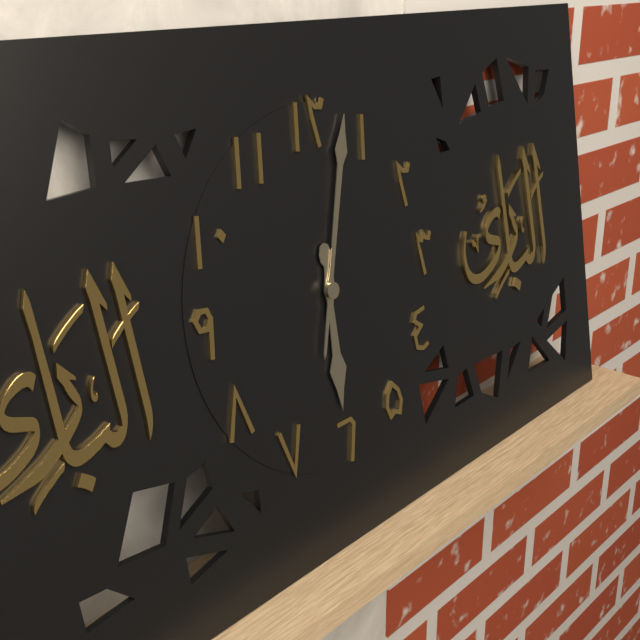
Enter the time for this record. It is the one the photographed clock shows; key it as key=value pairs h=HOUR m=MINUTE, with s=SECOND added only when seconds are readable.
h=6 m=3
